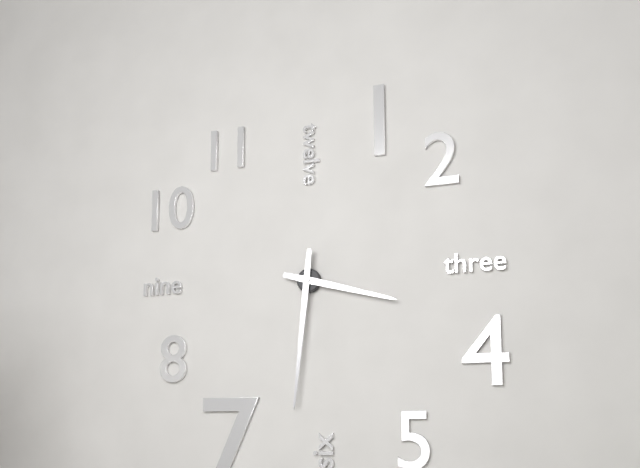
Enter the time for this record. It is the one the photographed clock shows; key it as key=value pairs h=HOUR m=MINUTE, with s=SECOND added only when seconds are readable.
h=3 m=31
